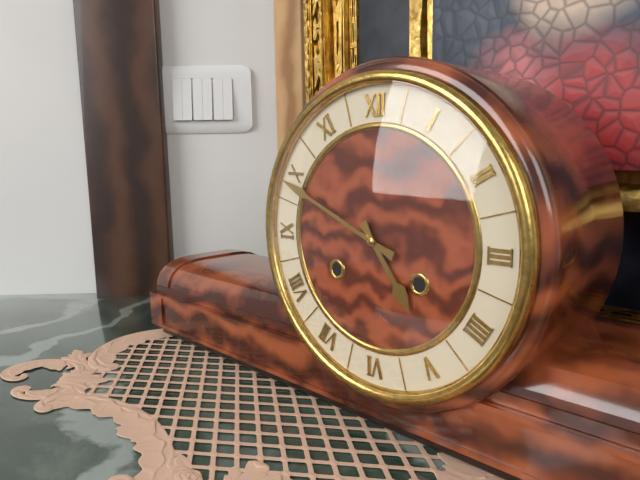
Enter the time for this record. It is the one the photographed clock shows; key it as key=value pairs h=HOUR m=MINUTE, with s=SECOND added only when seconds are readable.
h=4 m=49
